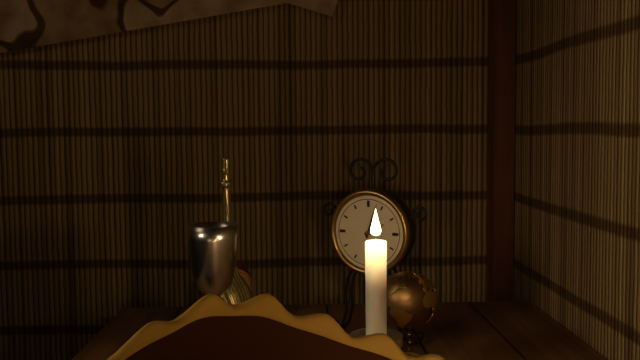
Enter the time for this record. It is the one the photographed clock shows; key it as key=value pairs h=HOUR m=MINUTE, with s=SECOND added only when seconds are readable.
h=2 m=3
